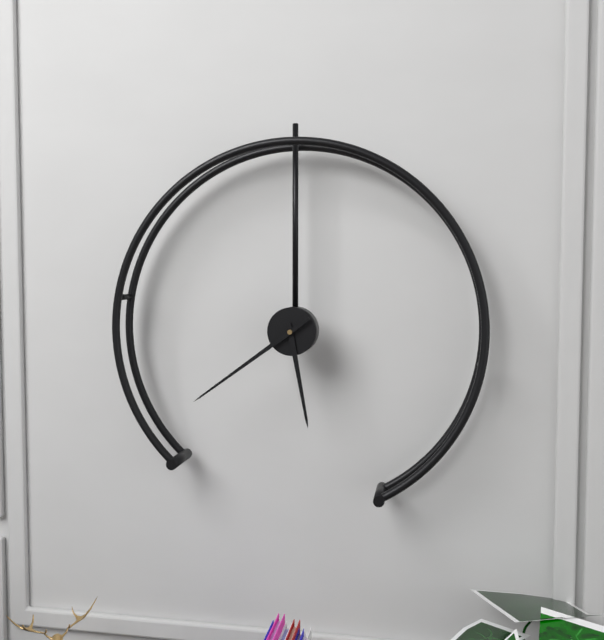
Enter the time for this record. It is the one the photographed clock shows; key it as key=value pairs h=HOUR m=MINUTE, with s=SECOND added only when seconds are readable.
h=5 m=39
